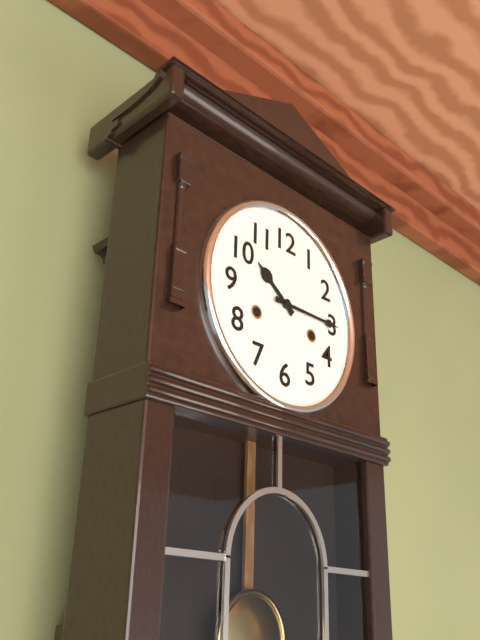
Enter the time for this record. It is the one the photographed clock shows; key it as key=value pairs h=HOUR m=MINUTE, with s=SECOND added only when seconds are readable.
h=10 m=15
